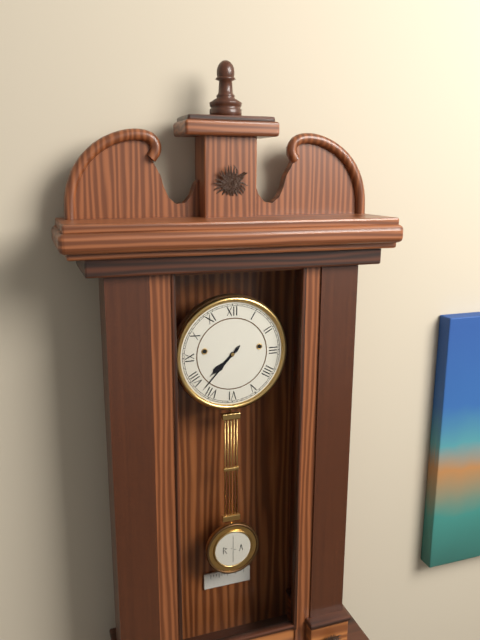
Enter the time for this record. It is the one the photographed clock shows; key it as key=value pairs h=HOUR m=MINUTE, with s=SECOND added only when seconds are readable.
h=7 m=37
